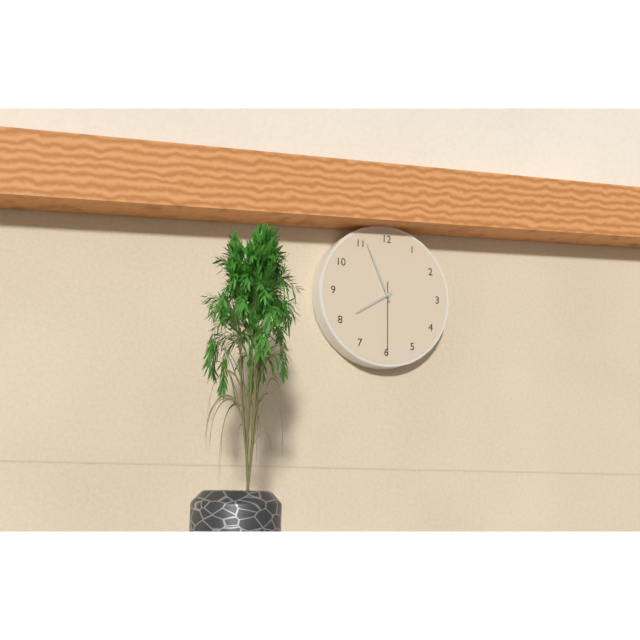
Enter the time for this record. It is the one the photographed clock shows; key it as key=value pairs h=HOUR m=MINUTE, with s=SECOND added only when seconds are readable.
h=7 m=56 s=30
